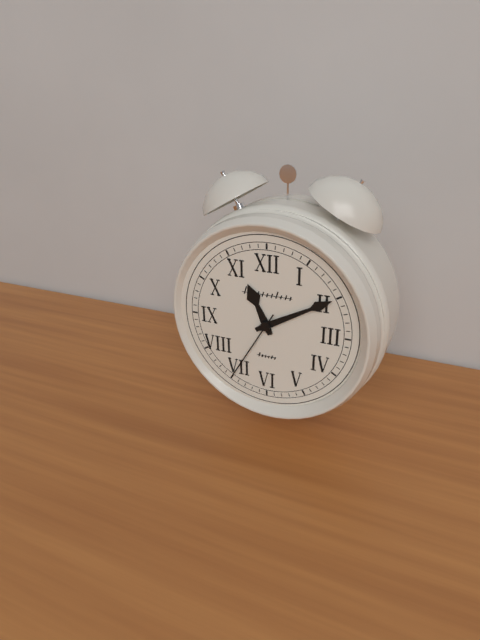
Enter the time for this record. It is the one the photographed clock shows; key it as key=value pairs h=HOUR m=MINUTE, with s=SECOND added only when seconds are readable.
h=11 m=10 s=35
